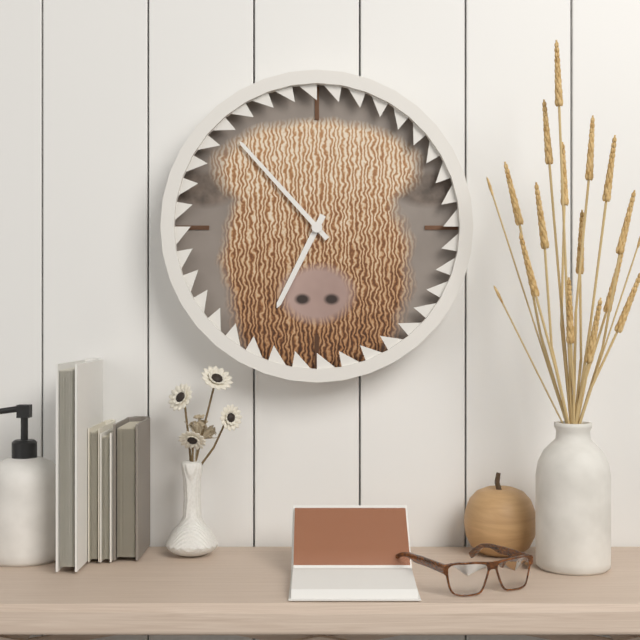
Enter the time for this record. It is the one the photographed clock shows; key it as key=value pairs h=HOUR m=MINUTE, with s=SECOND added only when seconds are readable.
h=6 m=53
